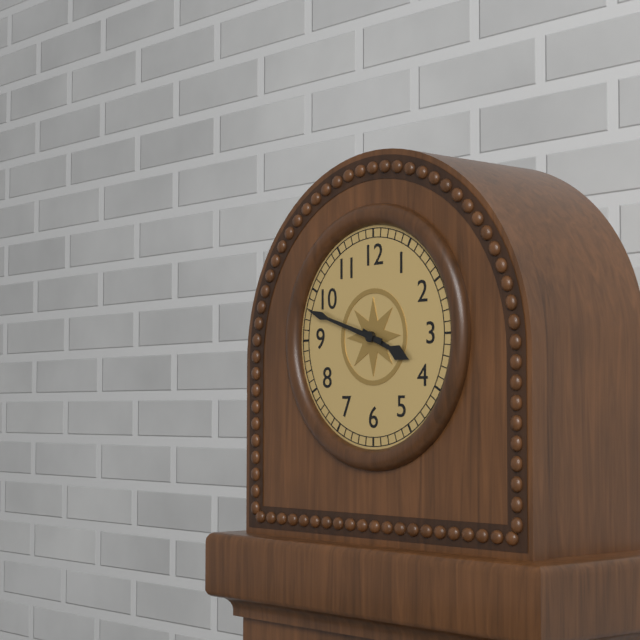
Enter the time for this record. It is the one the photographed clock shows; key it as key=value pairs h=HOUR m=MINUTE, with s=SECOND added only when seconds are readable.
h=3 m=48
